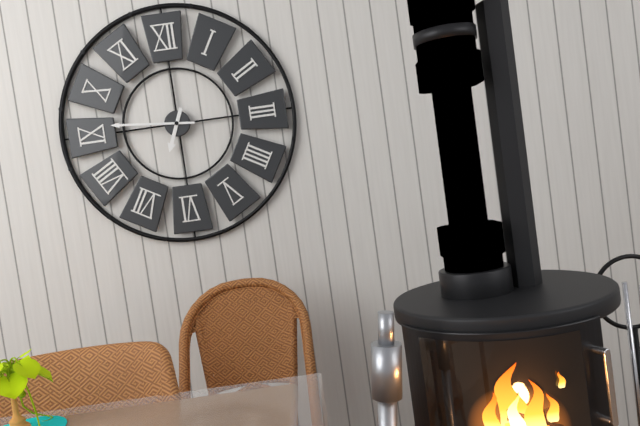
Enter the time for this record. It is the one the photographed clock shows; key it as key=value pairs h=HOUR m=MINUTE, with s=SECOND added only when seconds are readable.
h=6 m=46
